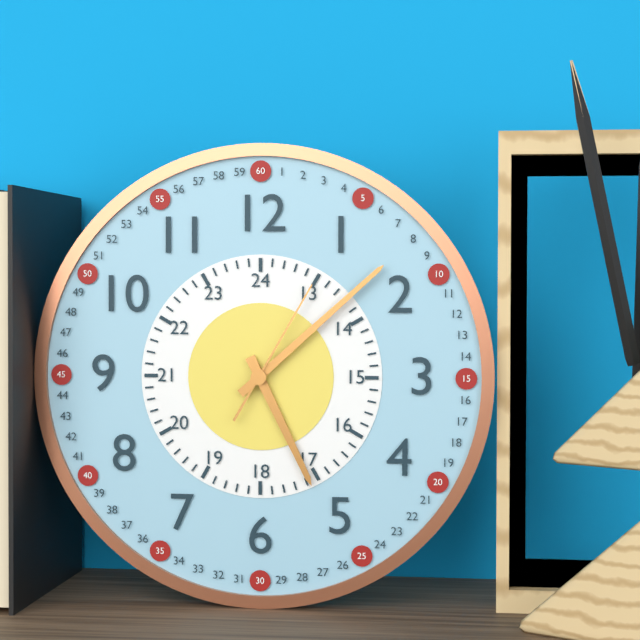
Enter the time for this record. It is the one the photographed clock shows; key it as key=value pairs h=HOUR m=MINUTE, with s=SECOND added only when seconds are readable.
h=5 m=8 s=5
